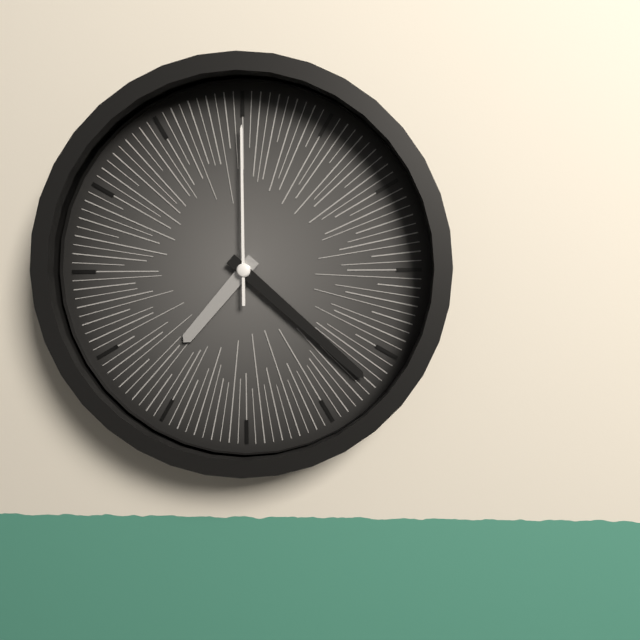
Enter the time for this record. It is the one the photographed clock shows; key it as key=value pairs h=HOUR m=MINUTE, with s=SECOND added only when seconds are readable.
h=7 m=22 s=0
